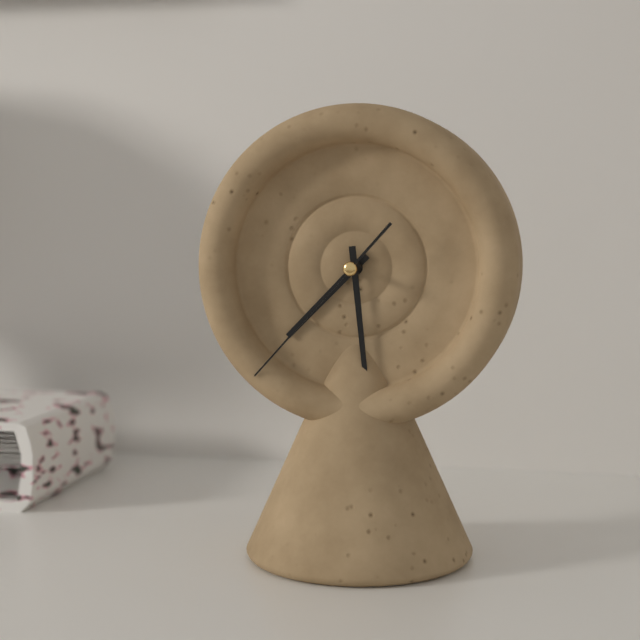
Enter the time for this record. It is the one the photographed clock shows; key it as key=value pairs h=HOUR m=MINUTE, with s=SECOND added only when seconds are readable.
h=7 m=29 s=37
